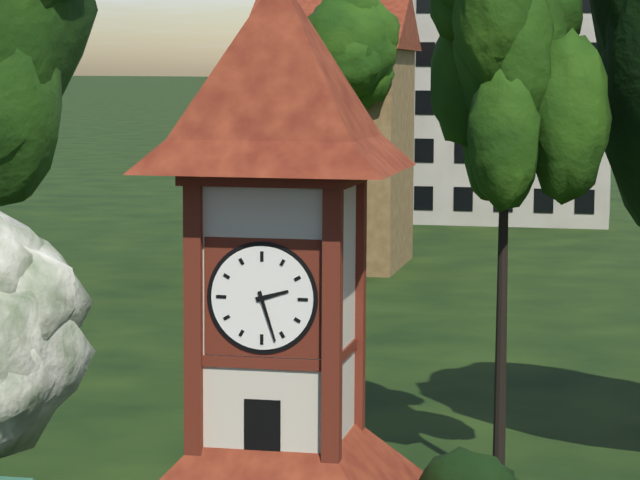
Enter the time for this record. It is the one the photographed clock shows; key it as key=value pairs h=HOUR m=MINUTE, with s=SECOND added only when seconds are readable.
h=2 m=27
